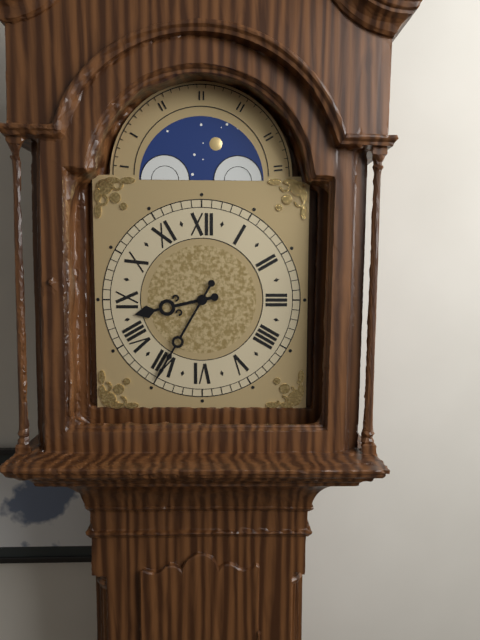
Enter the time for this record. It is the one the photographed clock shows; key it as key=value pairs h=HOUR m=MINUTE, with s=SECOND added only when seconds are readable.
h=8 m=35
